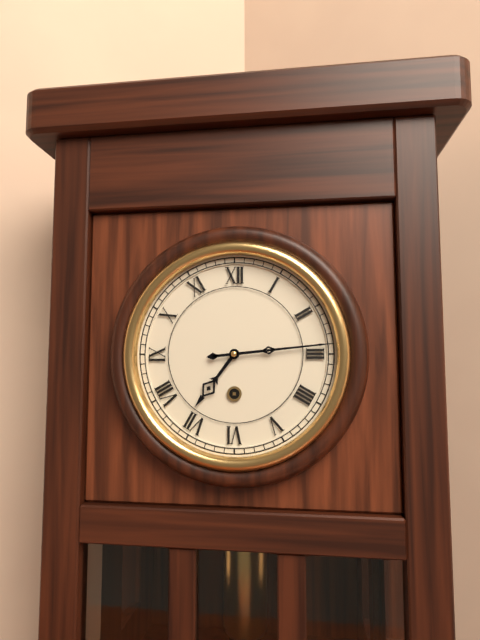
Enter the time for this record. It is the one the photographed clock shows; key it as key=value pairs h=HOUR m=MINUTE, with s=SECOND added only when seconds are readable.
h=7 m=14
